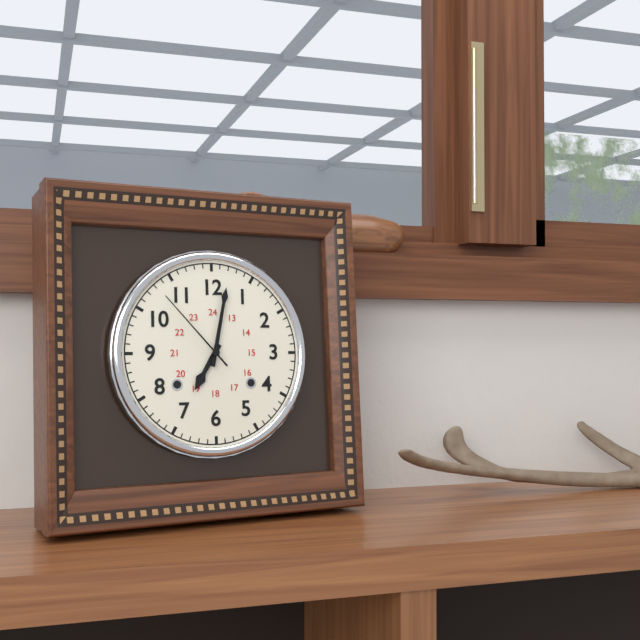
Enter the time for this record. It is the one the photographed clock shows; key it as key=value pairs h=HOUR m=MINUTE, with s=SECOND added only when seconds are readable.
h=7 m=2 s=53
